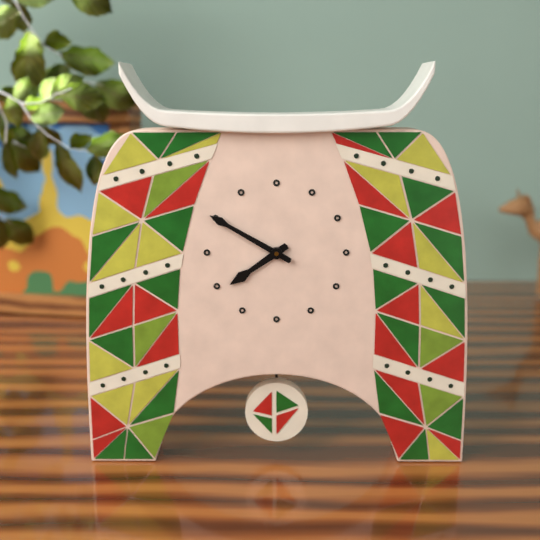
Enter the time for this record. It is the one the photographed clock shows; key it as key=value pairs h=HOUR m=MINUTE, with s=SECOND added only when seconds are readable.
h=7 m=50
